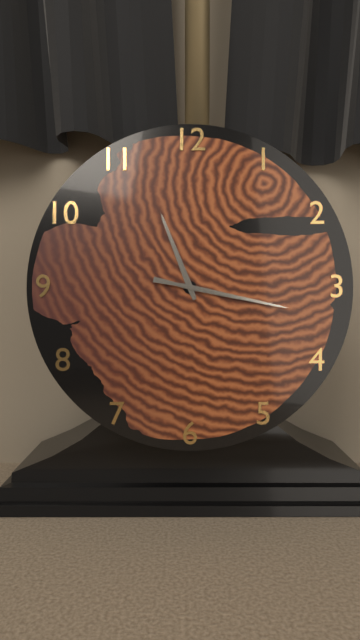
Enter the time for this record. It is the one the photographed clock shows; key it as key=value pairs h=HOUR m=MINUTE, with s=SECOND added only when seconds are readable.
h=11 m=17 s=17
